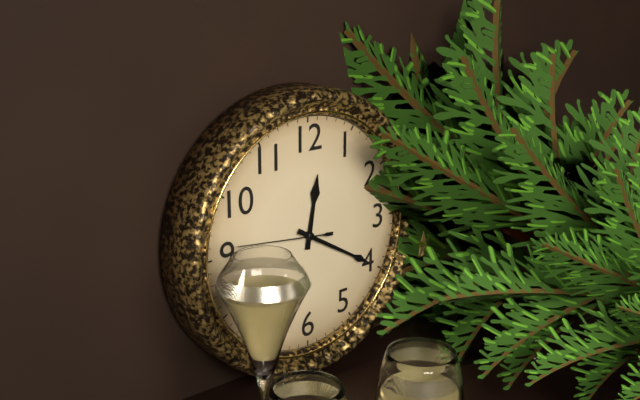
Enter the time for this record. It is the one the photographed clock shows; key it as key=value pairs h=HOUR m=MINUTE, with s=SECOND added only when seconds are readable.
h=12 m=20 s=46
